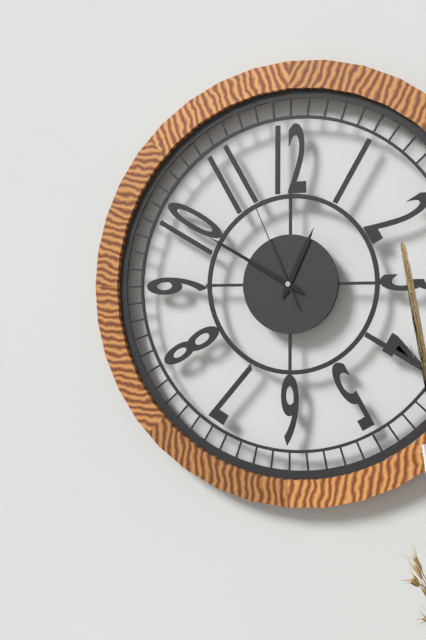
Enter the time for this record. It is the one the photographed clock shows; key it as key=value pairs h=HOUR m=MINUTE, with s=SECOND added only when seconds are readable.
h=12 m=50 s=56
